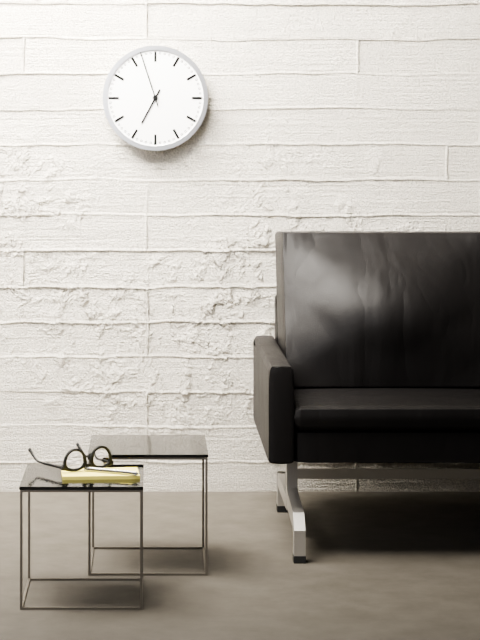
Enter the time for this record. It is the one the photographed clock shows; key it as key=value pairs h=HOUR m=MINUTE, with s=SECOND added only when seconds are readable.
h=6 m=57
